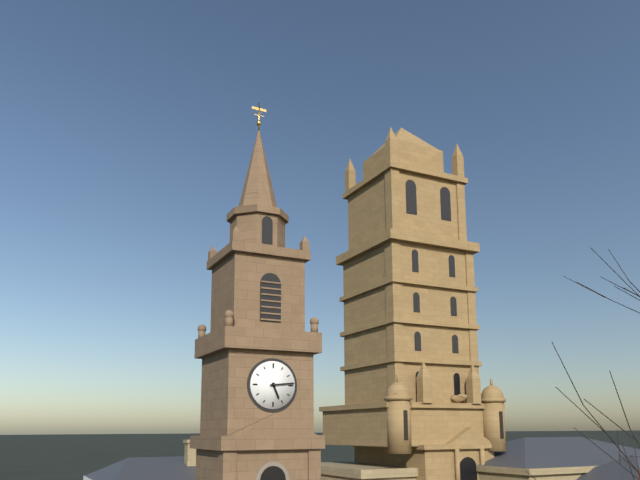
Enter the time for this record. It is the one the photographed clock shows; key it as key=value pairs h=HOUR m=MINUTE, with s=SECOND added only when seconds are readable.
h=5 m=14
